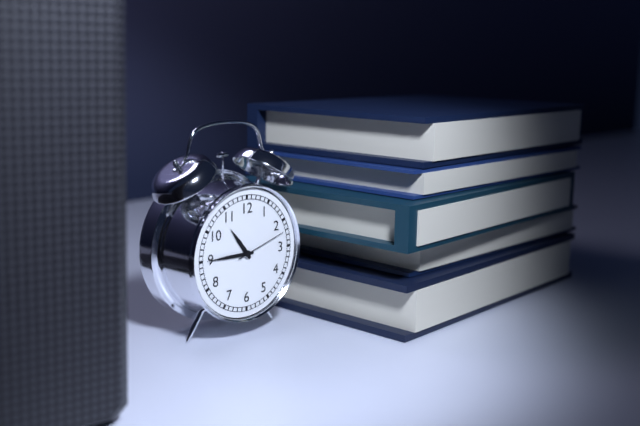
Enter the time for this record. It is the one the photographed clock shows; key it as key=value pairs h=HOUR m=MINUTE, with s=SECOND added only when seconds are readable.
h=10 m=45 s=12
